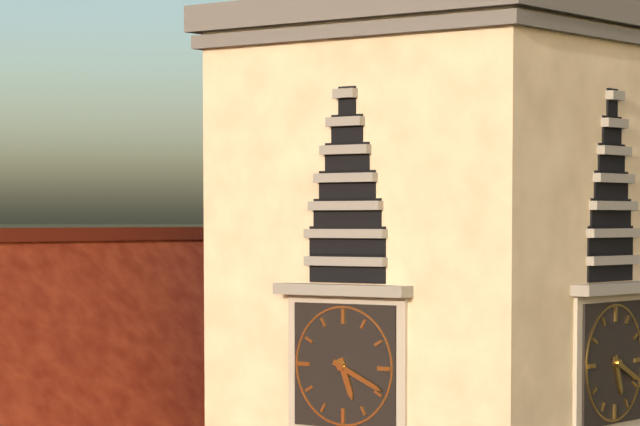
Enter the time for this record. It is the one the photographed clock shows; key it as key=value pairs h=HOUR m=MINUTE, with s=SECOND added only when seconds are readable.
h=5 m=19
